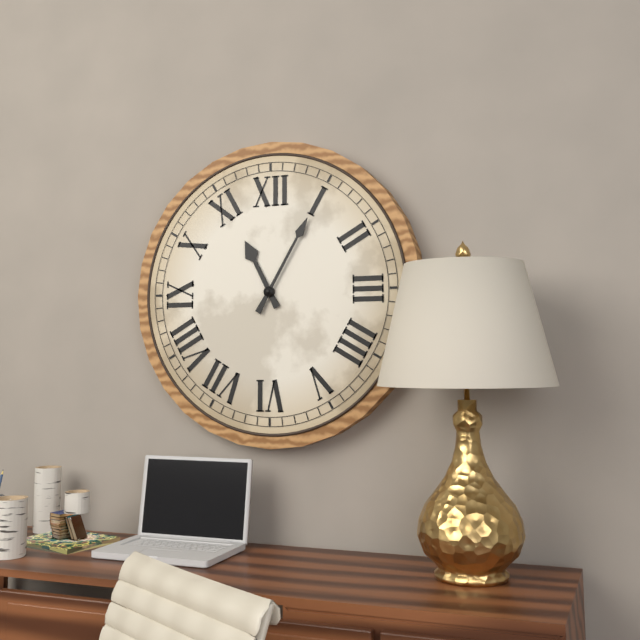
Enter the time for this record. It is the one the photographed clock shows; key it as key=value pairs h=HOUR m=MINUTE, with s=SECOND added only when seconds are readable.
h=11 m=5
